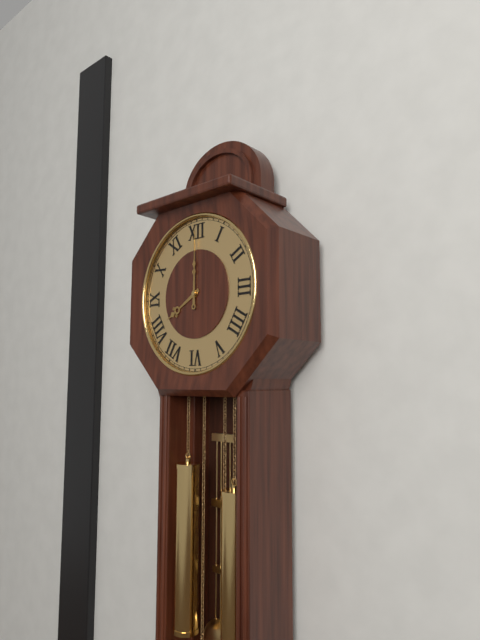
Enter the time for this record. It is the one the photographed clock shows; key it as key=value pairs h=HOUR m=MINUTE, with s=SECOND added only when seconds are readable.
h=8 m=0
